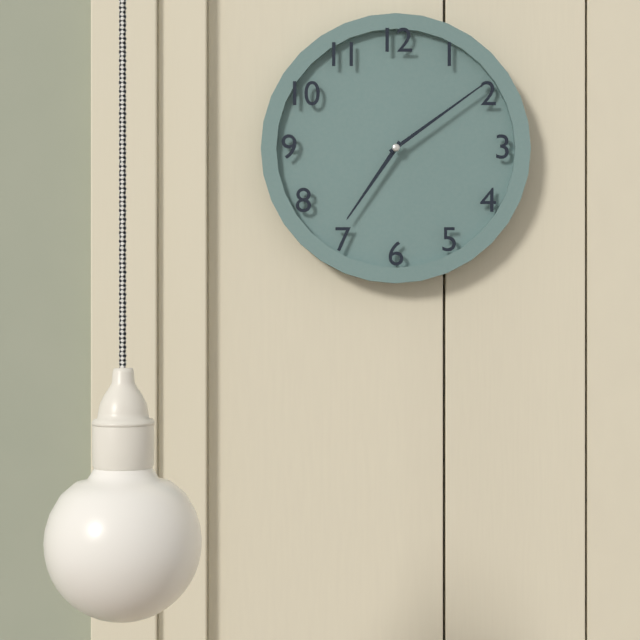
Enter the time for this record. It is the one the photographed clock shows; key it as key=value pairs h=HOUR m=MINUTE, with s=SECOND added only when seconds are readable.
h=7 m=9
